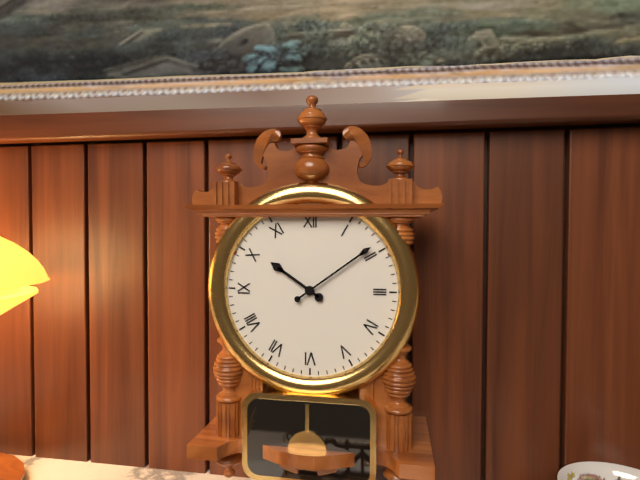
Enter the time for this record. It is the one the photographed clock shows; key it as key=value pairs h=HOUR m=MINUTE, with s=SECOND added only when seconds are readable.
h=10 m=9
